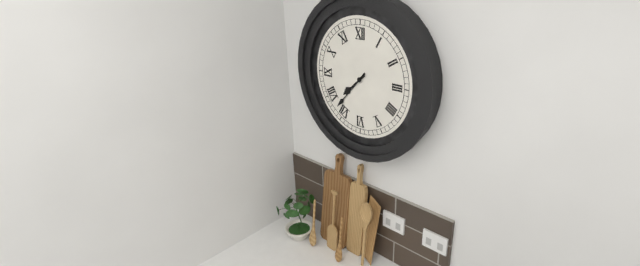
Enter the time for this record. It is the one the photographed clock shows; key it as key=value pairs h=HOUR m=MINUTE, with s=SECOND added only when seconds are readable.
h=7 m=37
